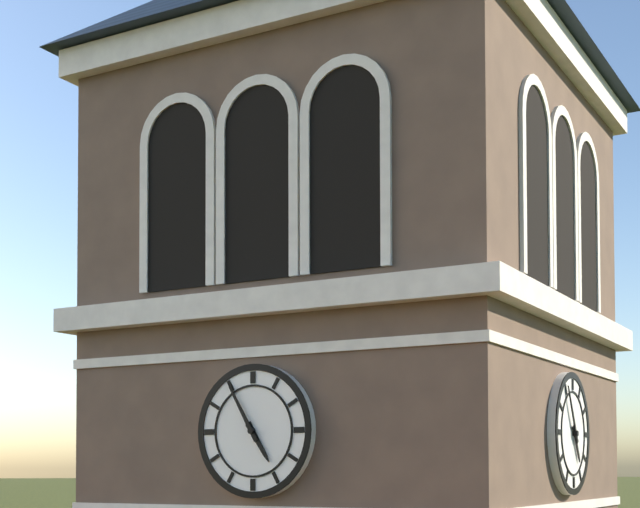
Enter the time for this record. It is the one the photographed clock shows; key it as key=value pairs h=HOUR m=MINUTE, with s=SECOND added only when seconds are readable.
h=4 m=55
